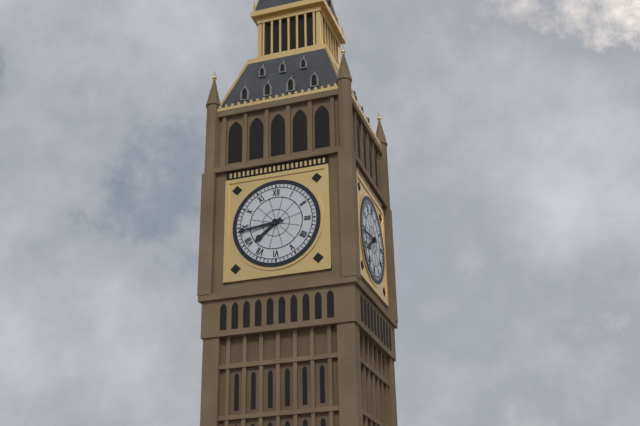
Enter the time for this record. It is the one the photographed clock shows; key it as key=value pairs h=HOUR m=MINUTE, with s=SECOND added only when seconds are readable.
h=7 m=44
